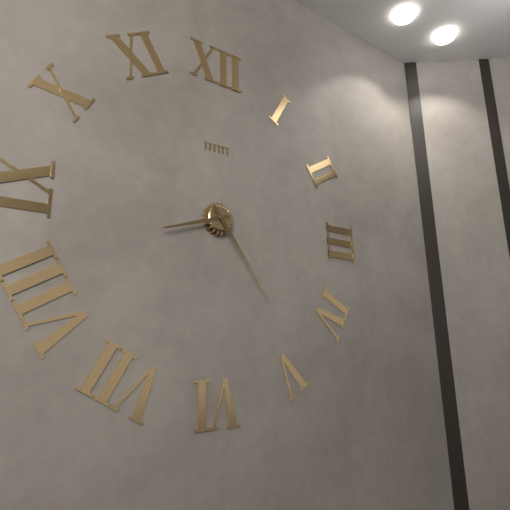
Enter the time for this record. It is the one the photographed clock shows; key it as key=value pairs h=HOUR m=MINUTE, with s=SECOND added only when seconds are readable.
h=8 m=24
